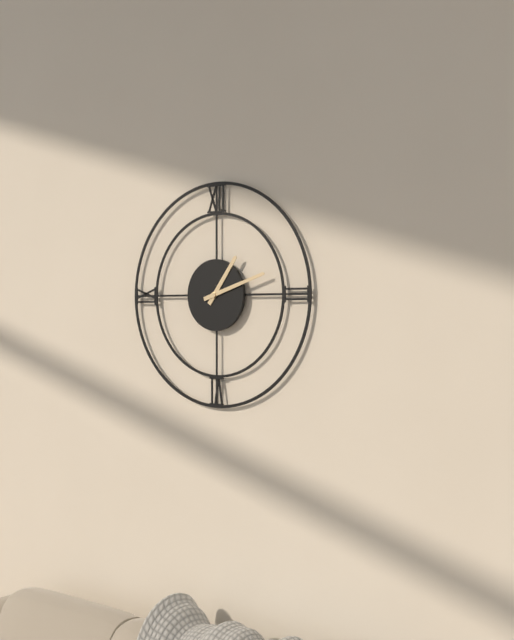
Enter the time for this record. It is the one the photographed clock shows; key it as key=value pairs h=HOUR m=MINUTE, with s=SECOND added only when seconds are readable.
h=1 m=12
